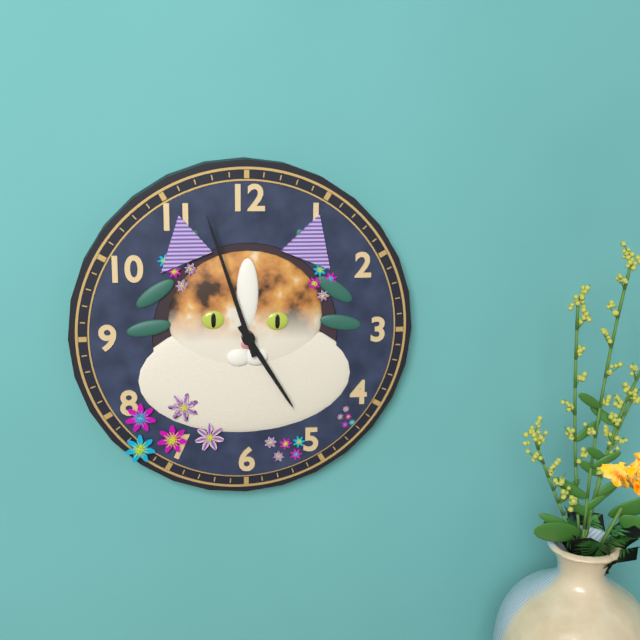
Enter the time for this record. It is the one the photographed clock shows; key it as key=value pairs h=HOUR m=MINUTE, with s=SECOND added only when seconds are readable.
h=4 m=57
